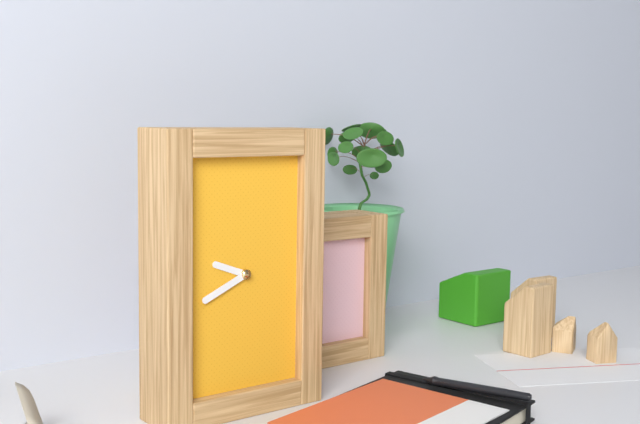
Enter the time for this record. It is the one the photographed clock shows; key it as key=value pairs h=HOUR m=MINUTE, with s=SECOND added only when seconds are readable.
h=9 m=41
